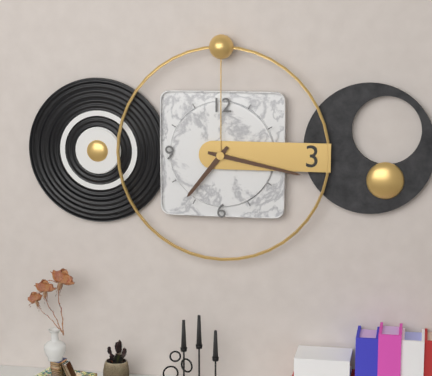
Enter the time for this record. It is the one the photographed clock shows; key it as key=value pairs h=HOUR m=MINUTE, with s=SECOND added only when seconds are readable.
h=7 m=17
